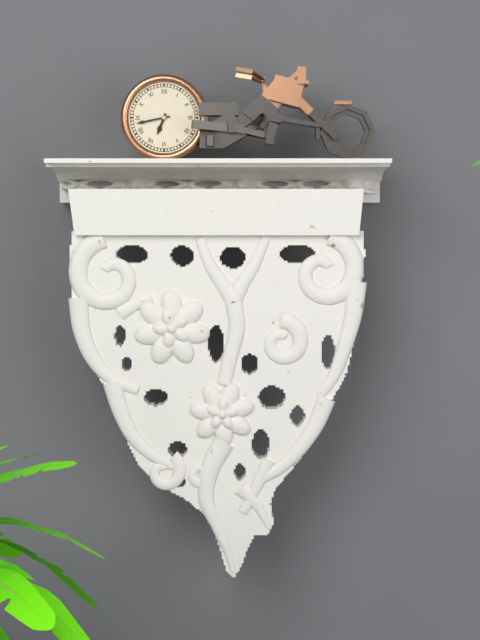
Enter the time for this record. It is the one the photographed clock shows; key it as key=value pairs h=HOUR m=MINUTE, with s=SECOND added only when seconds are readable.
h=6 m=43
